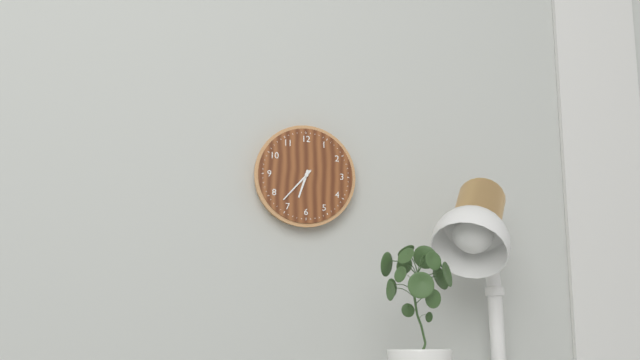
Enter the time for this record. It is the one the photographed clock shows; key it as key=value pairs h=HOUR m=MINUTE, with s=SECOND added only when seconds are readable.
h=6 m=37
